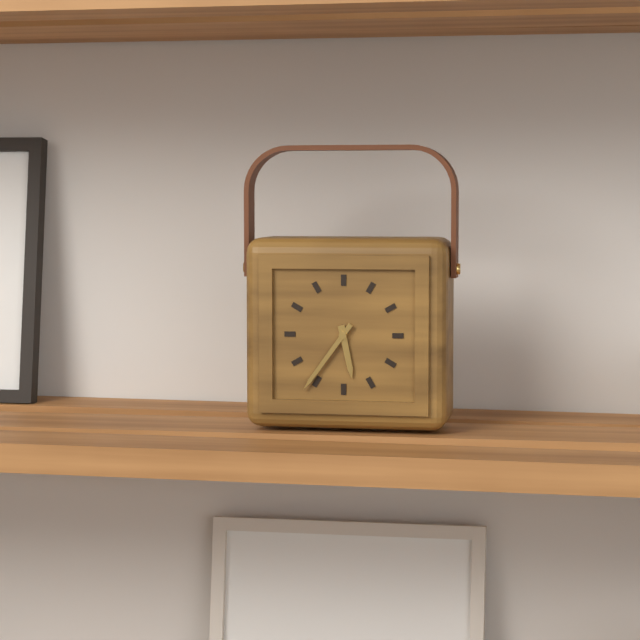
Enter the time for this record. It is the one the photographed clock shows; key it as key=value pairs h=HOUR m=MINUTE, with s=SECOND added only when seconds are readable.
h=5 m=36
